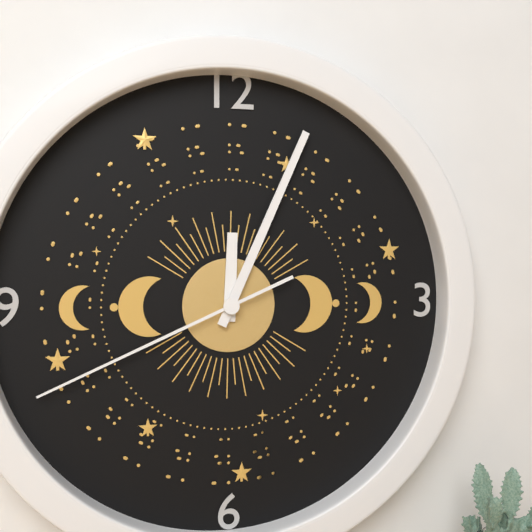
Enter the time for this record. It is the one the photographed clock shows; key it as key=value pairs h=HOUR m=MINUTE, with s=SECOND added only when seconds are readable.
h=12 m=4 s=41
